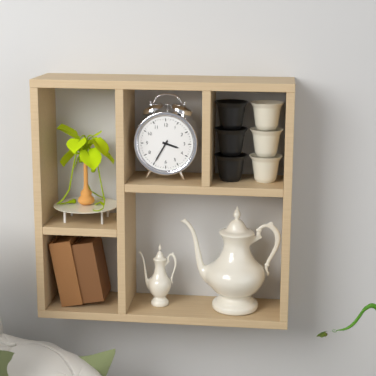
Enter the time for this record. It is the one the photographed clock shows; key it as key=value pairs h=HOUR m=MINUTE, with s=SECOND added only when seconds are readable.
h=3 m=35
